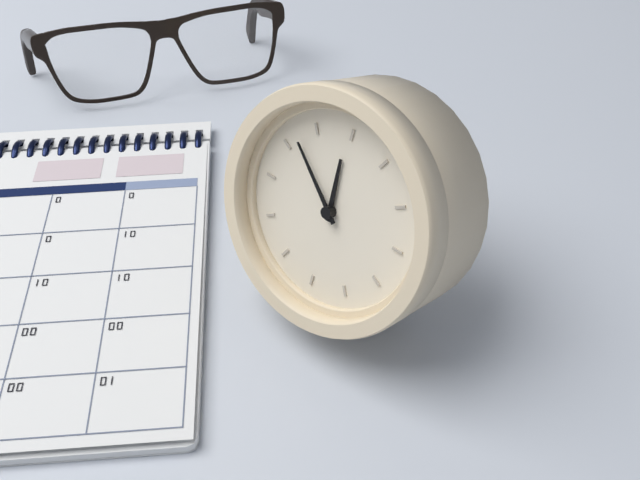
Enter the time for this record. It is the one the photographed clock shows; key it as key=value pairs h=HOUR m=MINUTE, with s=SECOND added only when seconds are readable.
h=11 m=52
